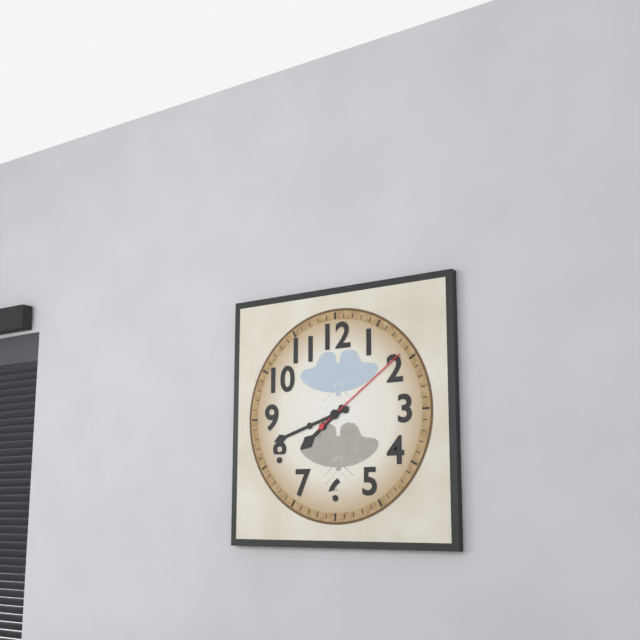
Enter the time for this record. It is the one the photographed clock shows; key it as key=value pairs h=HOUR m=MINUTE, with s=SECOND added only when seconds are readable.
h=7 m=42 s=9
